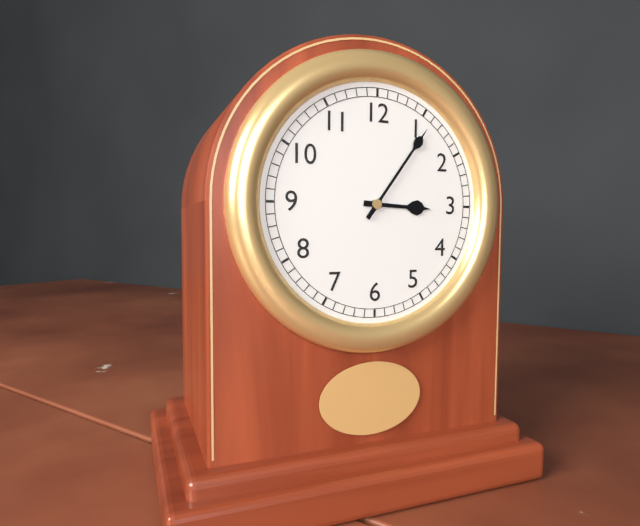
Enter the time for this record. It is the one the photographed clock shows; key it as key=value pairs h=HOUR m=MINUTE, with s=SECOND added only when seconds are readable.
h=3 m=6
